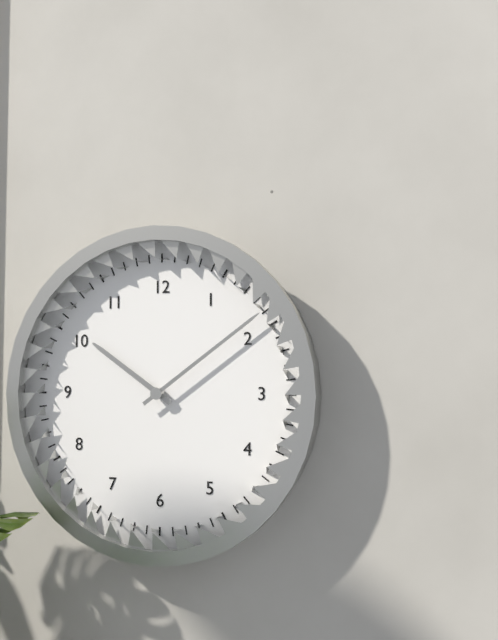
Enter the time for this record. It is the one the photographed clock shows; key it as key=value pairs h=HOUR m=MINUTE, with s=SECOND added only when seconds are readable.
h=10 m=9
